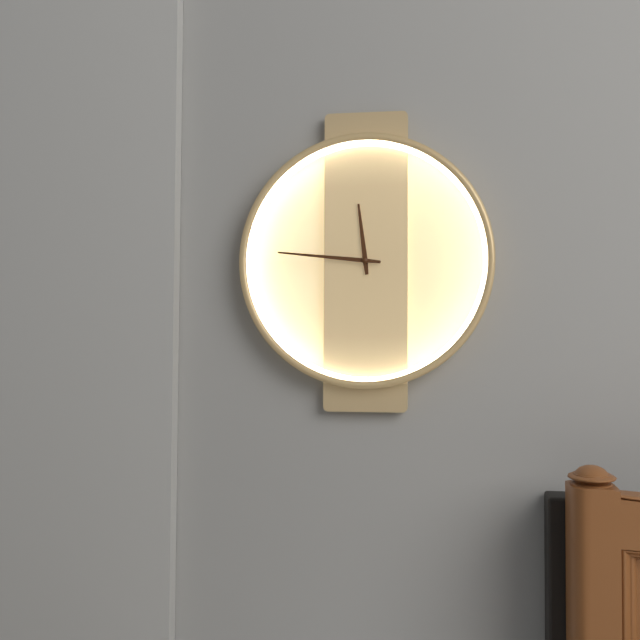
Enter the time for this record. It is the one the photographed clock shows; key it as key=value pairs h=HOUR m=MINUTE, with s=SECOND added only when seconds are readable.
h=11 m=46
